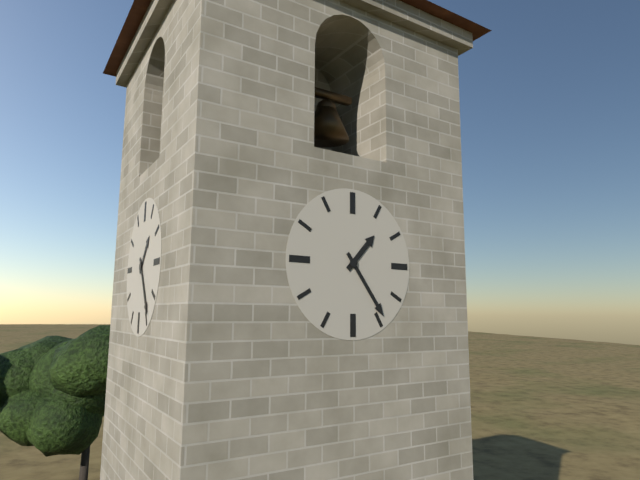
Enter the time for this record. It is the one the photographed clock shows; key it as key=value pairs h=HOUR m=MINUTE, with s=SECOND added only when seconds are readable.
h=1 m=24
